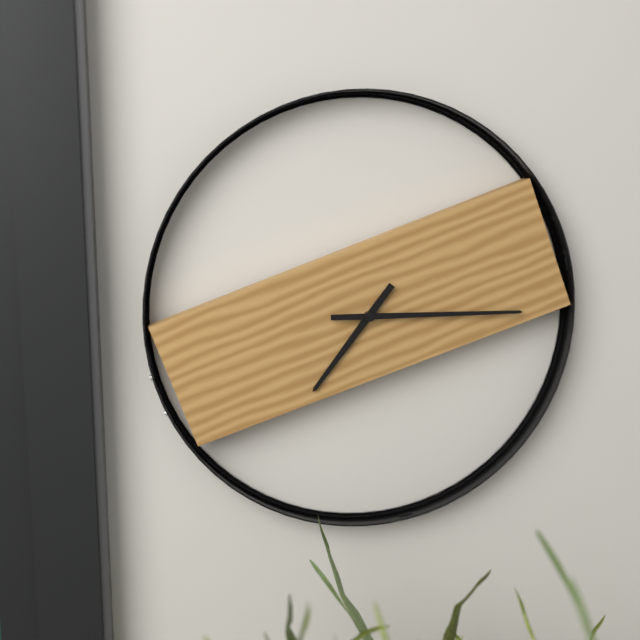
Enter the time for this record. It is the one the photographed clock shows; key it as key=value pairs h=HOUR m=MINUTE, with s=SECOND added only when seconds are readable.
h=7 m=15
